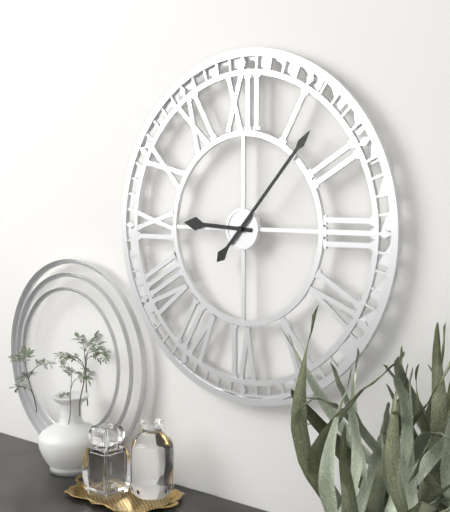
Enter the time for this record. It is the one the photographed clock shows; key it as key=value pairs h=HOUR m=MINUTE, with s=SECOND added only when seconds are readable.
h=9 m=7
